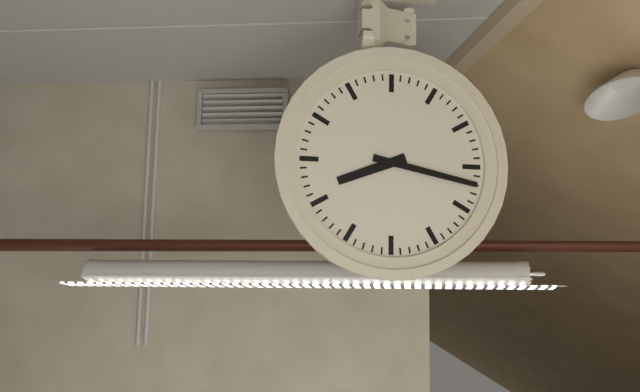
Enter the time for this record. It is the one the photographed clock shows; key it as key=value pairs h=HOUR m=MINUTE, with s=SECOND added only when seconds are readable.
h=8 m=17
